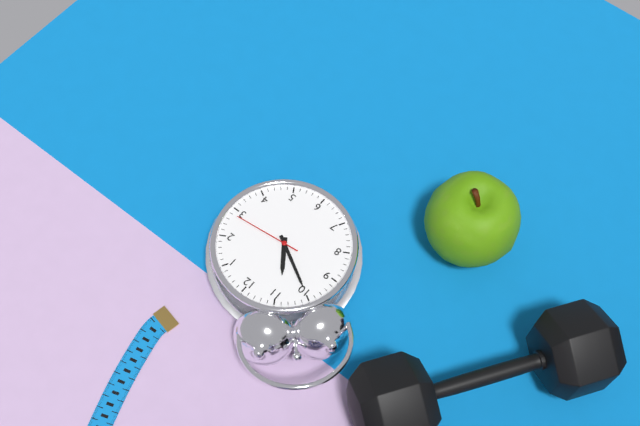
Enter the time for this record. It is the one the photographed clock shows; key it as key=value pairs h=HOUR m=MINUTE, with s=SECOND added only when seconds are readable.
h=10 m=50 s=14
